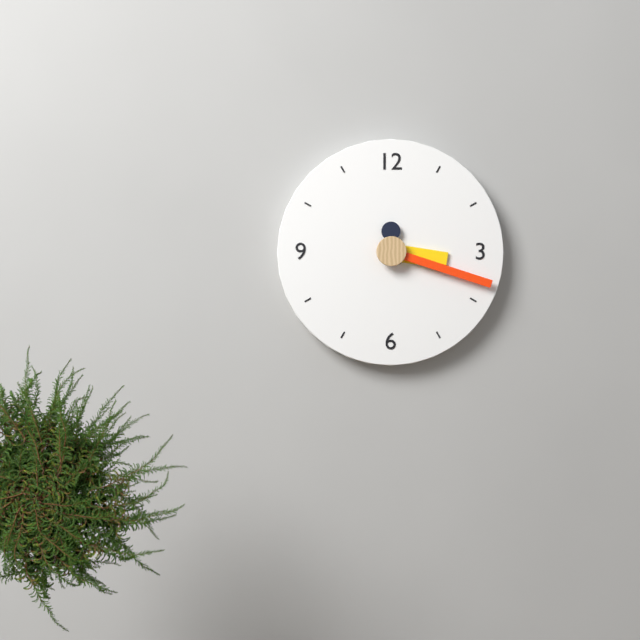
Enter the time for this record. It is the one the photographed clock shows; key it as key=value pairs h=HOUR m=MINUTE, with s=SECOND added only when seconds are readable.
h=3 m=18
